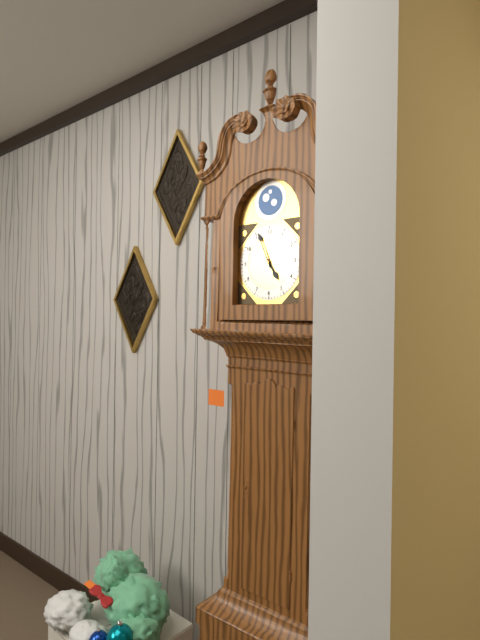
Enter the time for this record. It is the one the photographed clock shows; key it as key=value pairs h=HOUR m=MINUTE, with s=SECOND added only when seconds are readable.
h=4 m=56
